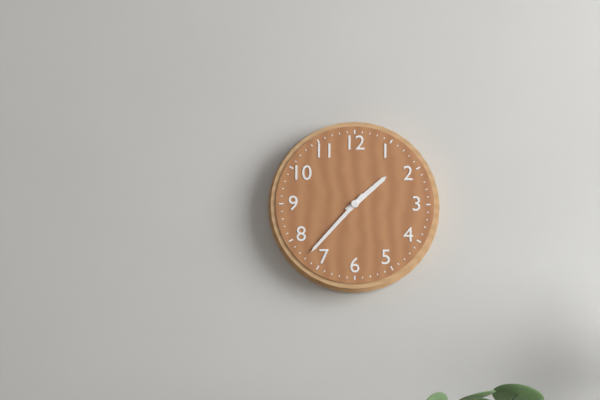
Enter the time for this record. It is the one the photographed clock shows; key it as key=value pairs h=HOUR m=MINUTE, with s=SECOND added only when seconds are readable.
h=1 m=37
